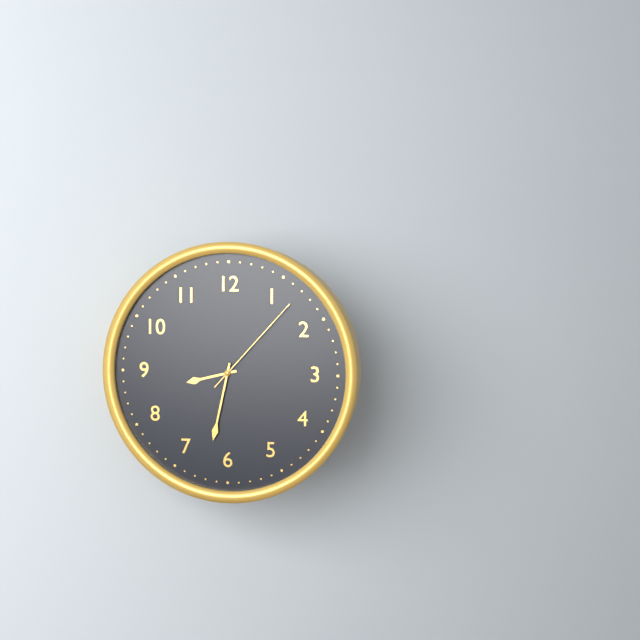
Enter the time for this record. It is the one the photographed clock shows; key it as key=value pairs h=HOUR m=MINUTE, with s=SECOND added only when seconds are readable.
h=8 m=32 s=7
